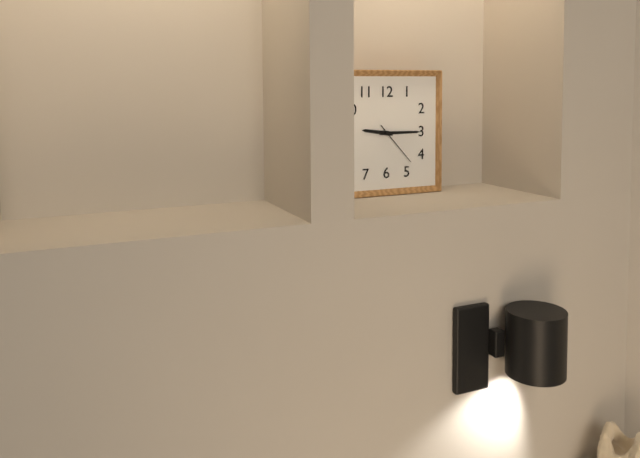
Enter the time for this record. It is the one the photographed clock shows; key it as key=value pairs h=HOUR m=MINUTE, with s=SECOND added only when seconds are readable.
h=9 m=15
